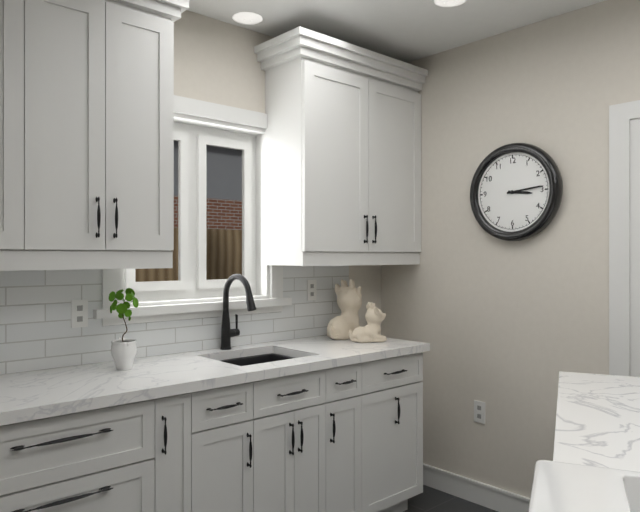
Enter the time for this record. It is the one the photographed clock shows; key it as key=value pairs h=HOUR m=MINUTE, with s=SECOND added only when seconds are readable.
h=3 m=14
